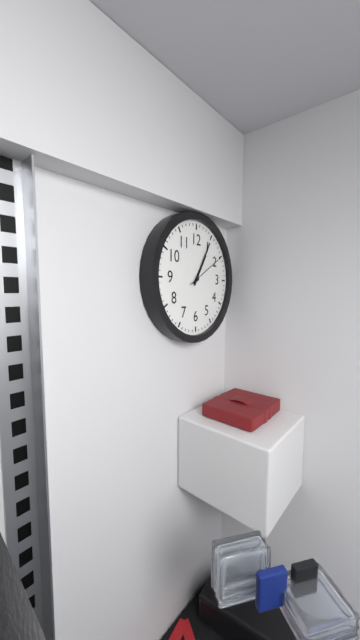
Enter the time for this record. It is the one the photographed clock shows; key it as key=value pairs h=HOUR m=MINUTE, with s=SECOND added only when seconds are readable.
h=1 m=5
